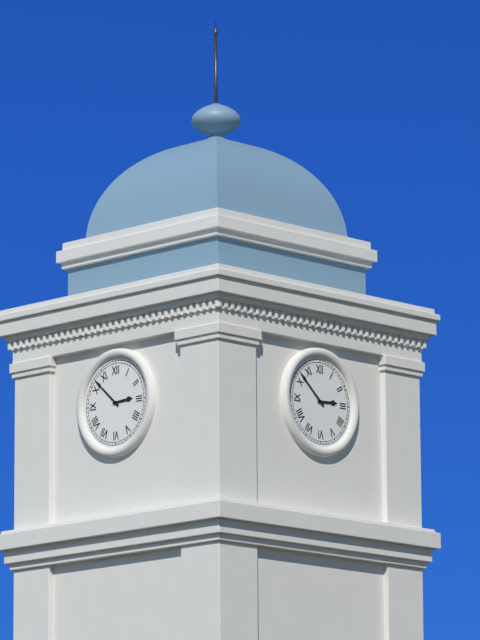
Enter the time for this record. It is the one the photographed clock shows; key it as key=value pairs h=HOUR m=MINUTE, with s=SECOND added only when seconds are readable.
h=2 m=52
